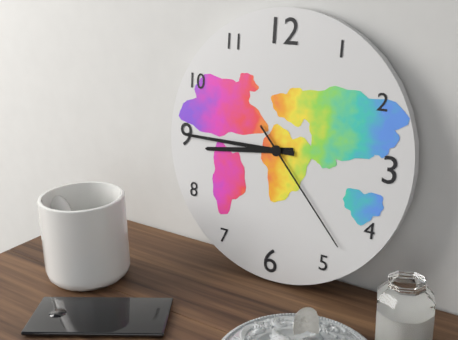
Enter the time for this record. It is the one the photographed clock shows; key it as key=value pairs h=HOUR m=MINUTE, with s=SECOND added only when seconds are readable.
h=8 m=45 s=23
